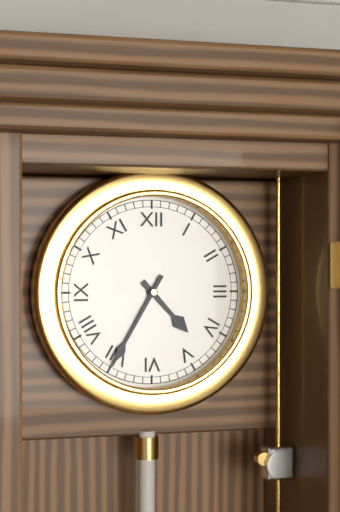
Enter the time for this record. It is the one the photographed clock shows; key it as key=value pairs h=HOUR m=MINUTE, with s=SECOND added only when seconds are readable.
h=4 m=35
